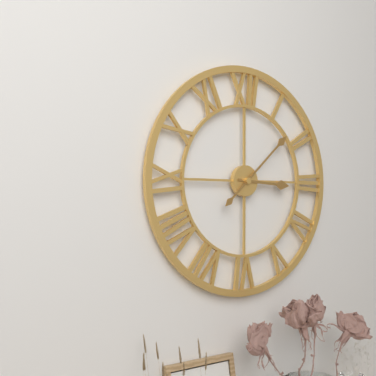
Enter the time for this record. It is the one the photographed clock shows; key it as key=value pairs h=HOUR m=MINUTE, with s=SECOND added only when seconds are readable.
h=3 m=8
